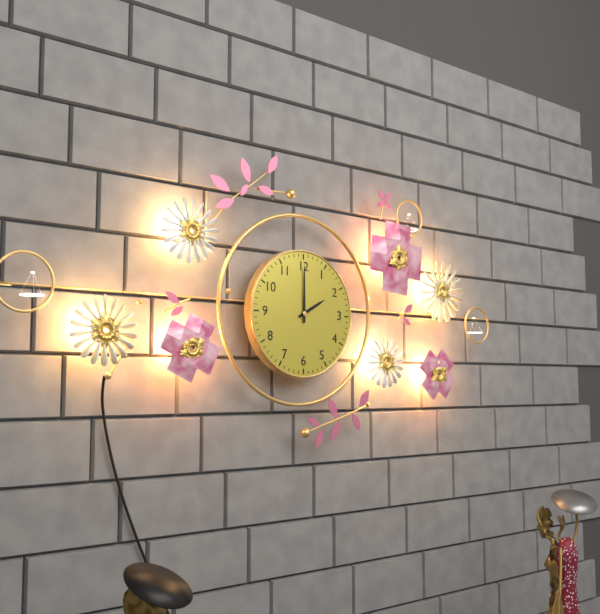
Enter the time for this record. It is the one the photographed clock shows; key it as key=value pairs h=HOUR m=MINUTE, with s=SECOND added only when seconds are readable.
h=2 m=0
